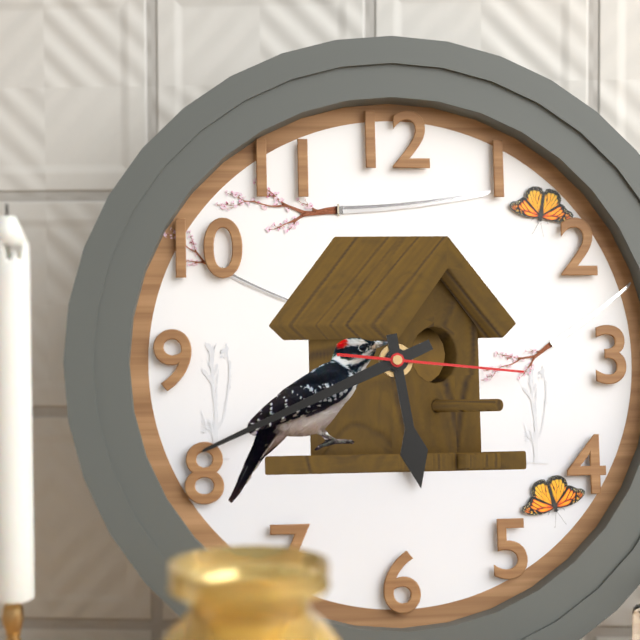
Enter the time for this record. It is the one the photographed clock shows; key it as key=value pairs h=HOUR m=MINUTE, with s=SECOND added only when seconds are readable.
h=5 m=41 s=16
